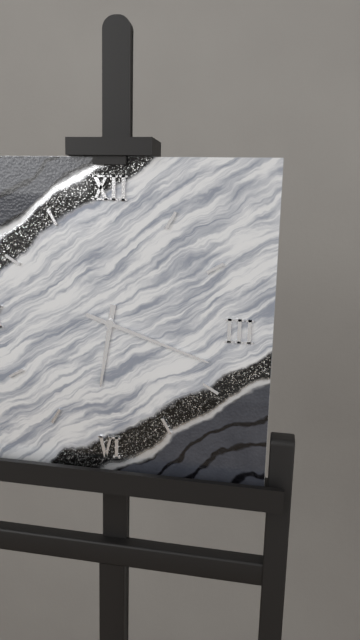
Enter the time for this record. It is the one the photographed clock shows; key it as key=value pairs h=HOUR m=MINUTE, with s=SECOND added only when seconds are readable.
h=6 m=18
